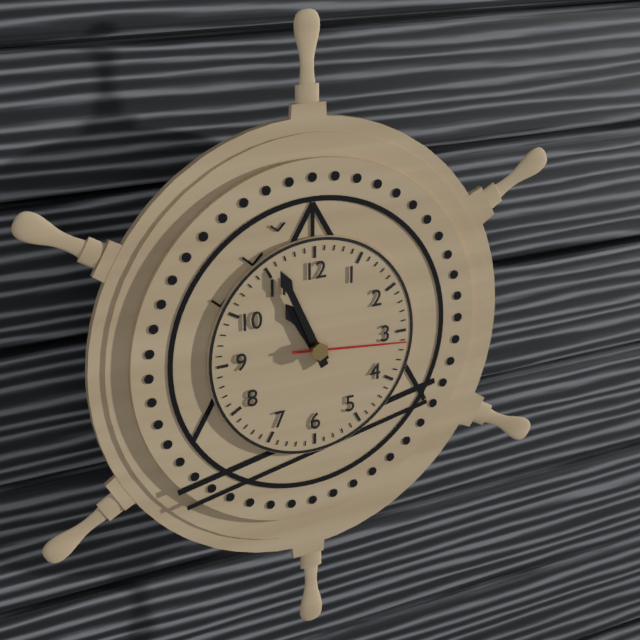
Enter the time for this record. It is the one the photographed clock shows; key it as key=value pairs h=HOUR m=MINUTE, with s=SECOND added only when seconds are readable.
h=10 m=56 s=16
